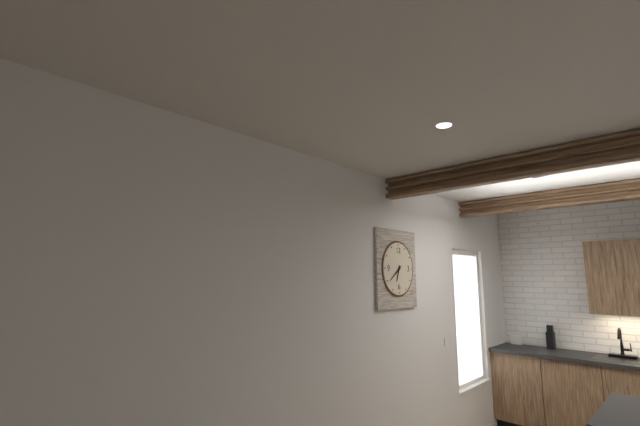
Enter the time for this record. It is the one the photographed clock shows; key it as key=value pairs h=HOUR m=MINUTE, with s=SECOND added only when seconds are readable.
h=6 m=39
